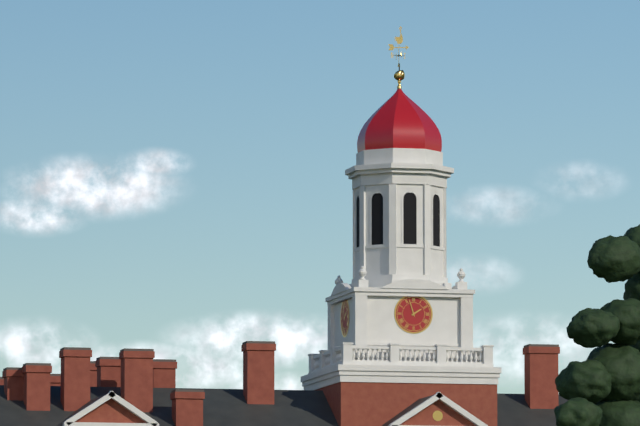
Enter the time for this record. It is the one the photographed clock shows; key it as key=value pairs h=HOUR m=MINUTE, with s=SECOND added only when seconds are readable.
h=1 m=57
